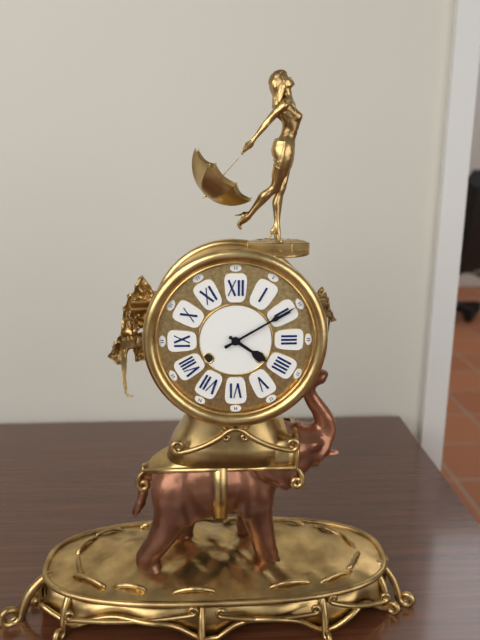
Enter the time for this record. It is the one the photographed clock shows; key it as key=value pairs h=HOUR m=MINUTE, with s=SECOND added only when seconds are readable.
h=4 m=10
